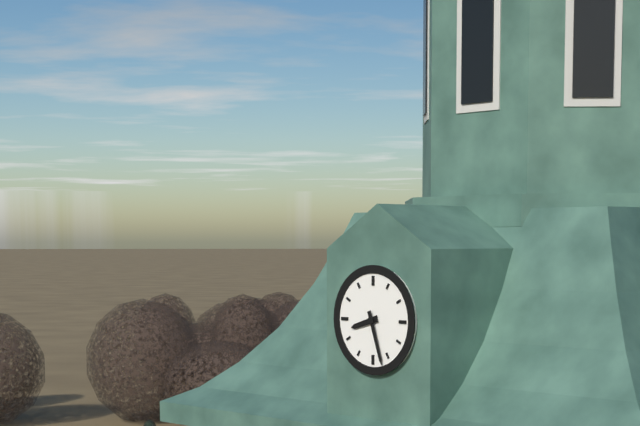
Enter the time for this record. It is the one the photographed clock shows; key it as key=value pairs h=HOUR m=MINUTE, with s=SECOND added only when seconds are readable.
h=8 m=27
